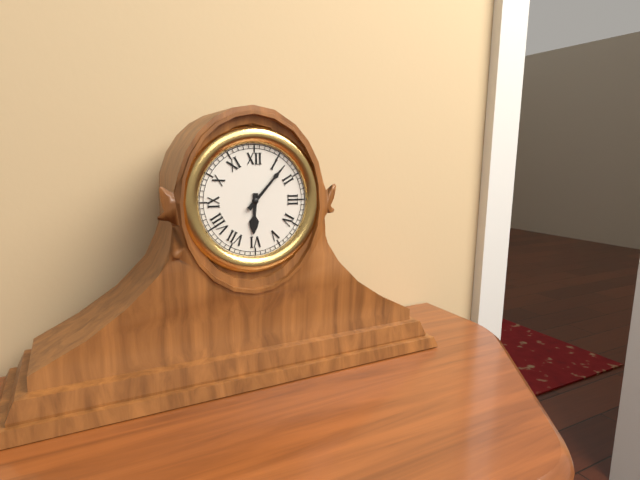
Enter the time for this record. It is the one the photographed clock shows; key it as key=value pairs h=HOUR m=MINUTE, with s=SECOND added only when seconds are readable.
h=6 m=7
